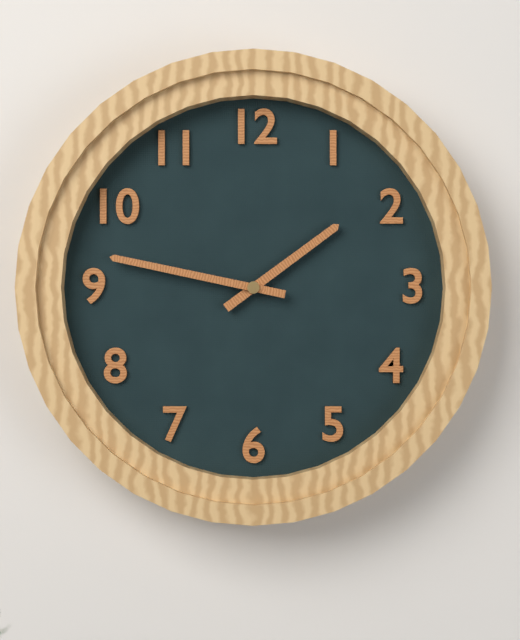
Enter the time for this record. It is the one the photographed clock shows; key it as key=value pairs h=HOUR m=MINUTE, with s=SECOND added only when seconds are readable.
h=1 m=47
